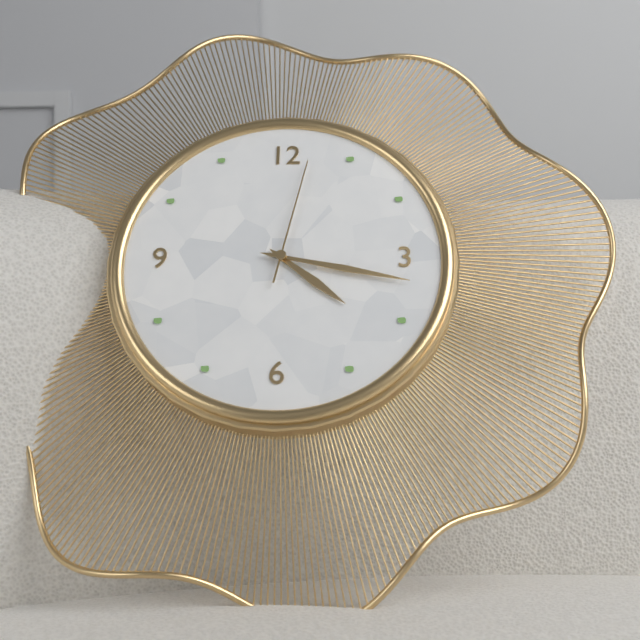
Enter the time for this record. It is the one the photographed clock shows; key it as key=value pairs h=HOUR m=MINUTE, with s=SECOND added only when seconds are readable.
h=4 m=17 s=2
